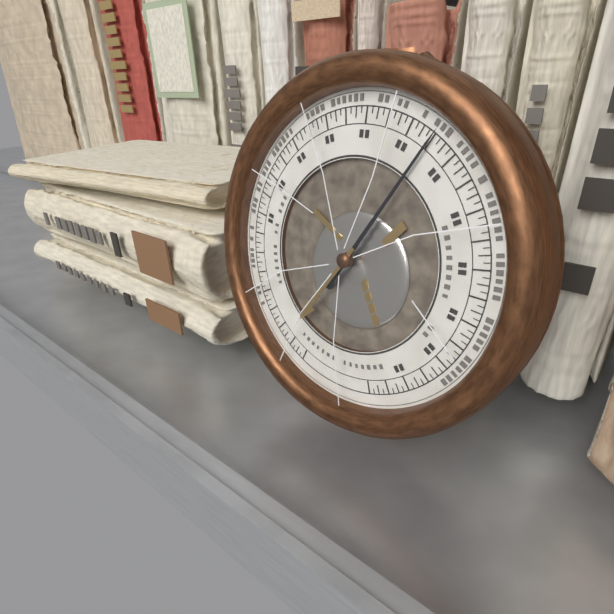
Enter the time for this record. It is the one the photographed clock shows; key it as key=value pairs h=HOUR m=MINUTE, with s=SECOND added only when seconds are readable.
h=7 m=5
